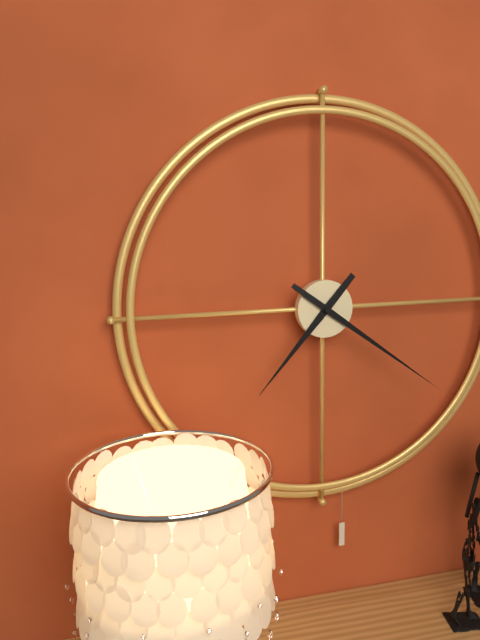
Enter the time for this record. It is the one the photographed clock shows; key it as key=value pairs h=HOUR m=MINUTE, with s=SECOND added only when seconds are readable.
h=7 m=21
